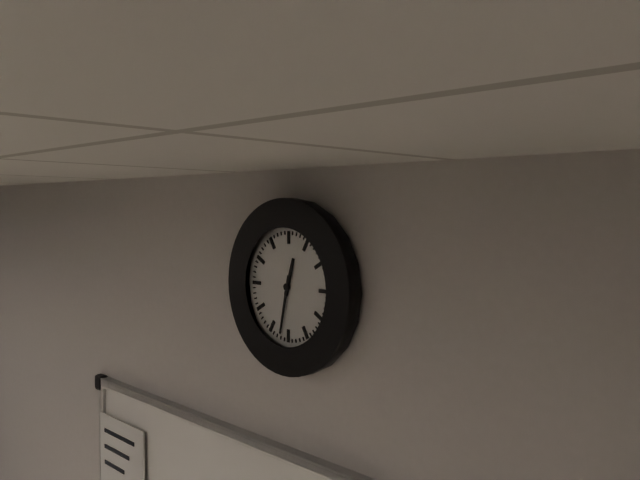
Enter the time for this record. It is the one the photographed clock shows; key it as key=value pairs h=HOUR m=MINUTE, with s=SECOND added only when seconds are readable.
h=12 m=32
